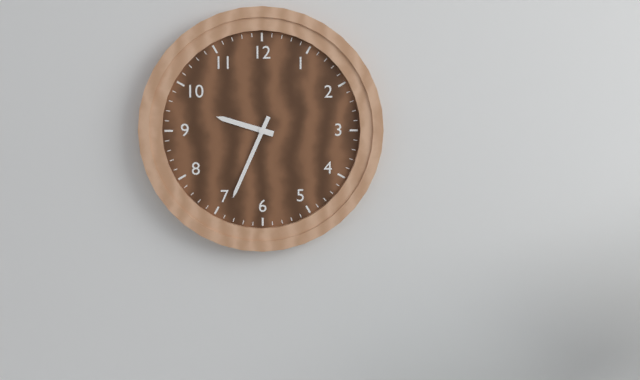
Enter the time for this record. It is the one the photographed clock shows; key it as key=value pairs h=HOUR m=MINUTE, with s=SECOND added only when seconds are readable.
h=9 m=34
